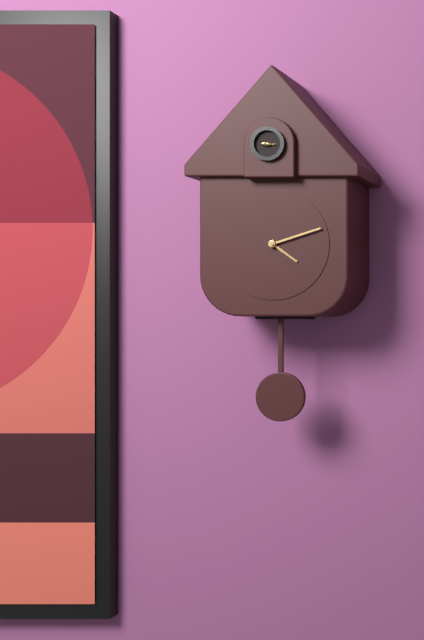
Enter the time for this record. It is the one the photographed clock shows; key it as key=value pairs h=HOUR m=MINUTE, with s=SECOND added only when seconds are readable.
h=4 m=12
